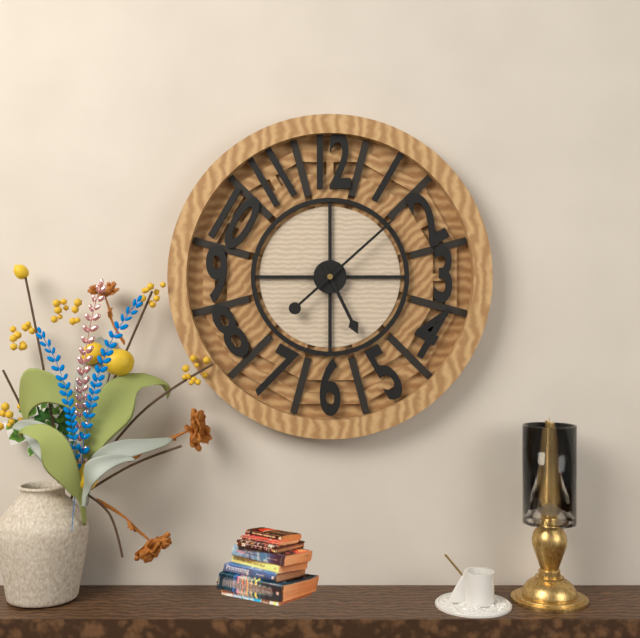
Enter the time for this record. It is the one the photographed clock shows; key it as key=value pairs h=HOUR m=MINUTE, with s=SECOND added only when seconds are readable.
h=5 m=8
